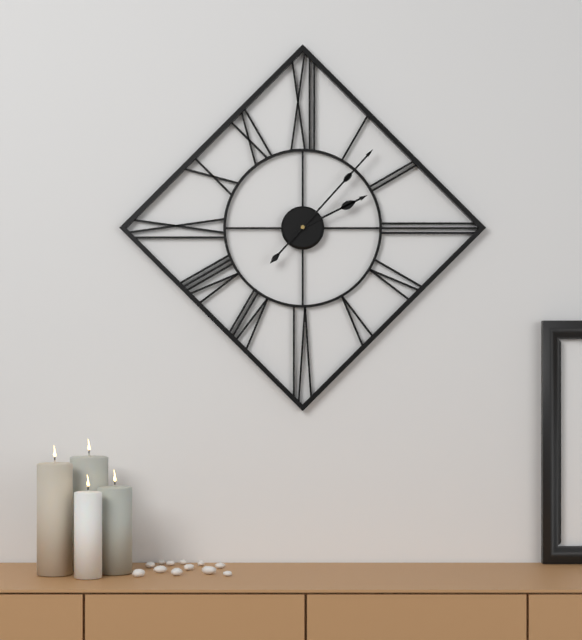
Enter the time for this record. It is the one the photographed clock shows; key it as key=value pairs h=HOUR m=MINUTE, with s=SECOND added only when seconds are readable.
h=2 m=7
